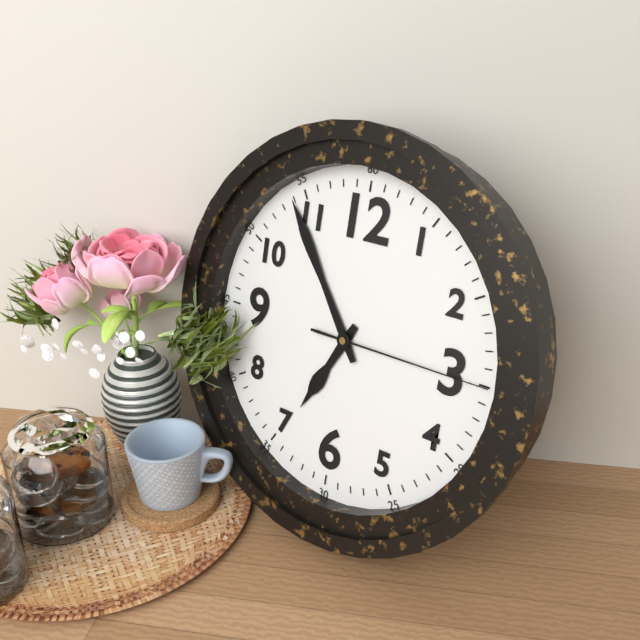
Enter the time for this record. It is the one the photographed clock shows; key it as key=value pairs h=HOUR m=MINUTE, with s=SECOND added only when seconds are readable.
h=6 m=54 s=15
